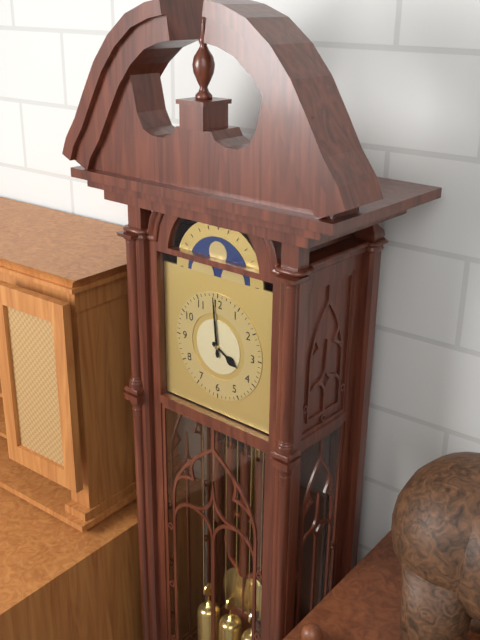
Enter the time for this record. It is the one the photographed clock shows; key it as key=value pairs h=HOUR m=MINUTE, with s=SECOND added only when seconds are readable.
h=3 m=59
